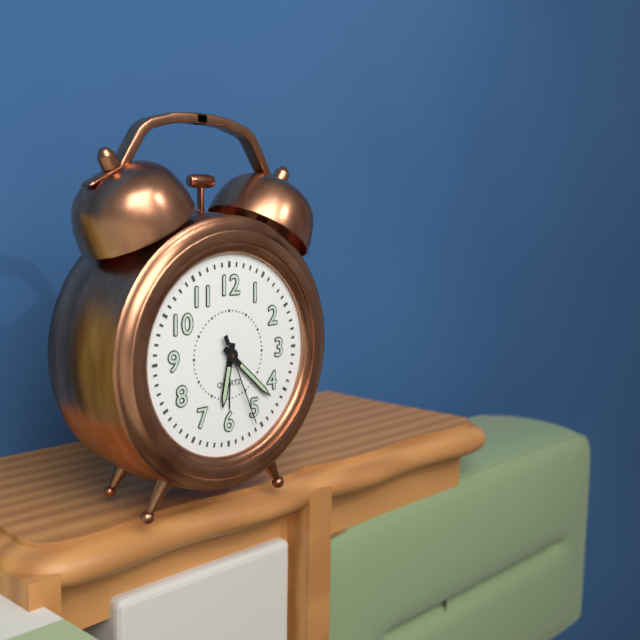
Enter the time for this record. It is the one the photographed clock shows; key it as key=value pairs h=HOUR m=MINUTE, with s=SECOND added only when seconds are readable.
h=6 m=22 s=26
